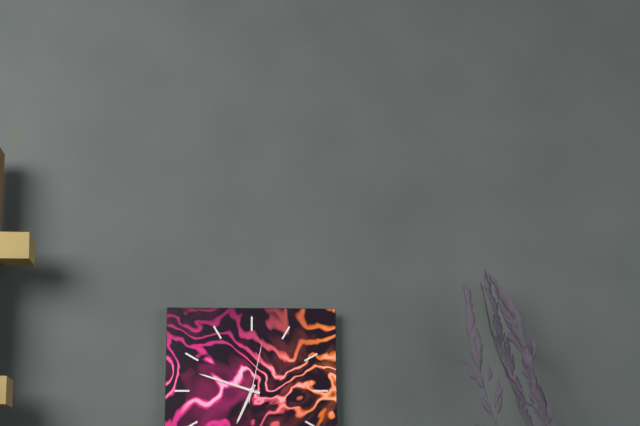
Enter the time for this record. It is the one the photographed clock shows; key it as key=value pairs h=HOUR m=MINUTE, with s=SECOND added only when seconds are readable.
h=6 m=48 s=2
